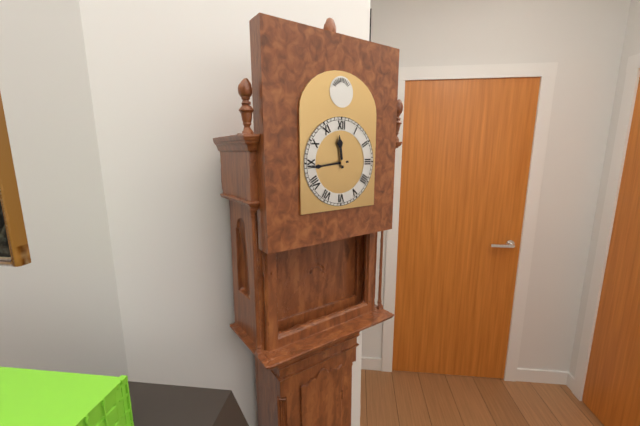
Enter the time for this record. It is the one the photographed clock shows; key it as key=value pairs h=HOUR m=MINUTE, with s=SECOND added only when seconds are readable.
h=11 m=44
